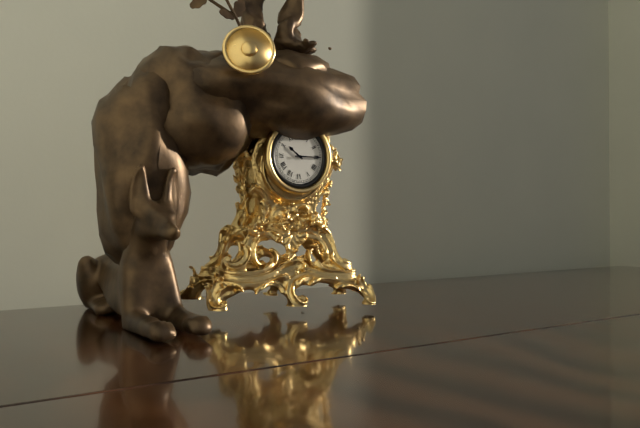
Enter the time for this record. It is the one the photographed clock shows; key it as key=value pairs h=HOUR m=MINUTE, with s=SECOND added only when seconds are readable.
h=10 m=15
